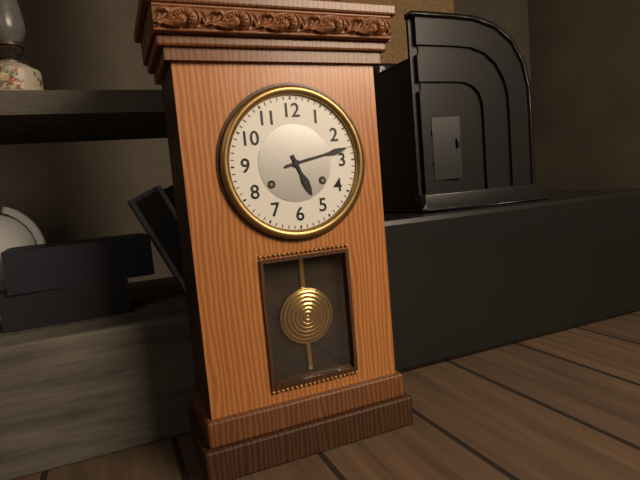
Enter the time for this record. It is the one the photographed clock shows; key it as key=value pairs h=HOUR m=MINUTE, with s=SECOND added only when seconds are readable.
h=5 m=13
